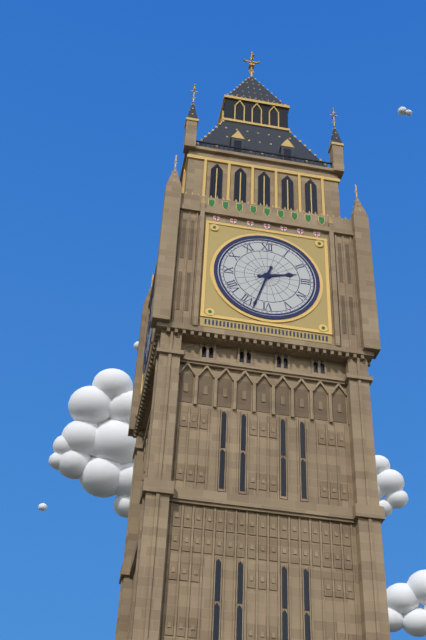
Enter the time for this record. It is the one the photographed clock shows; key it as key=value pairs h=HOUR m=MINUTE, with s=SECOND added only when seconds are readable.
h=2 m=33
